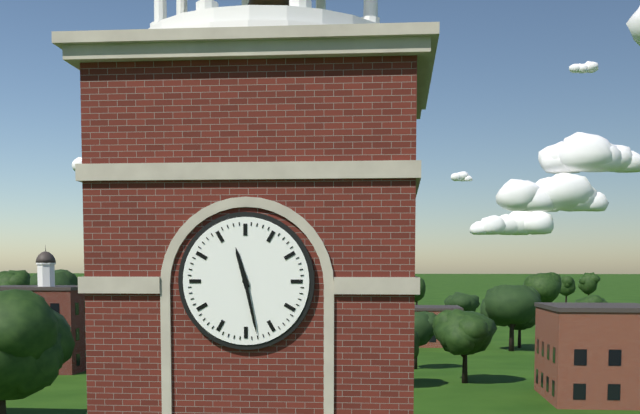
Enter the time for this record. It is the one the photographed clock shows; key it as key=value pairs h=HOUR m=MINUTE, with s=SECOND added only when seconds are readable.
h=11 m=28
